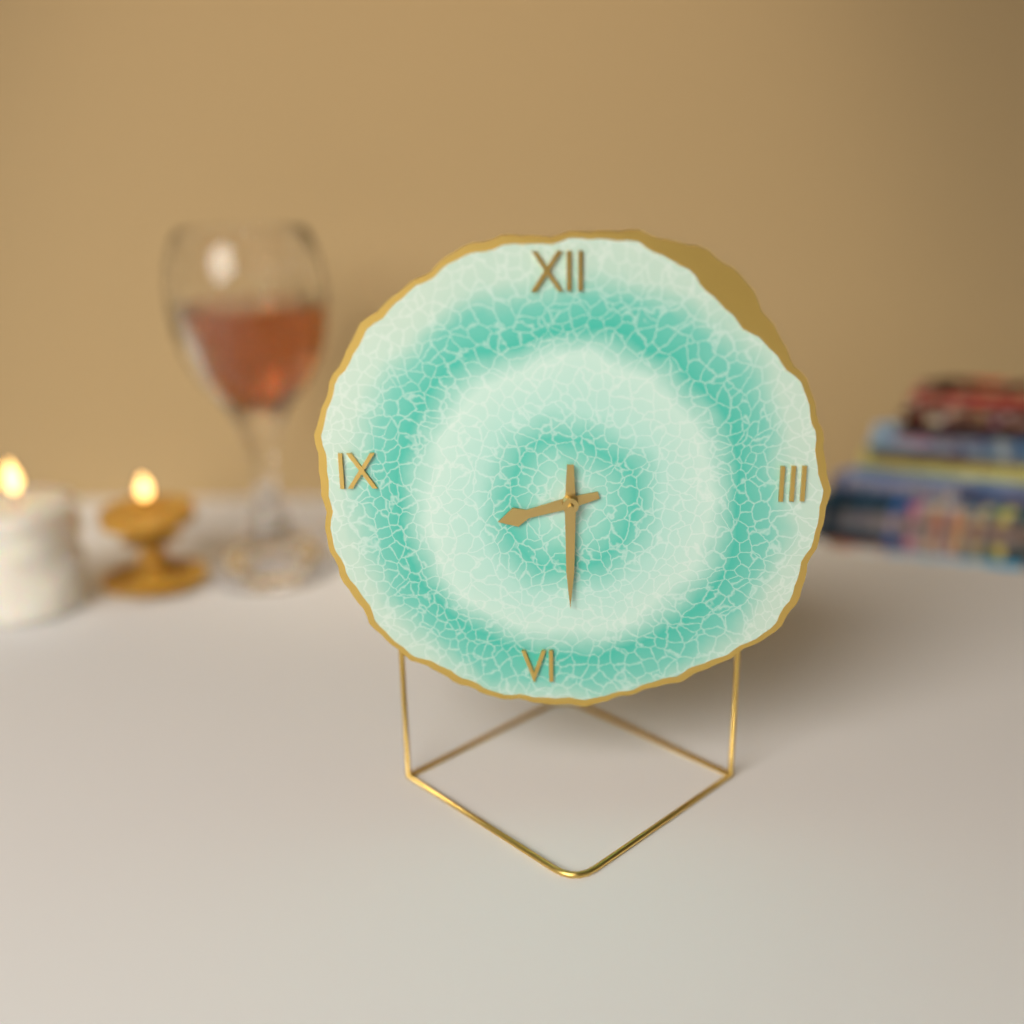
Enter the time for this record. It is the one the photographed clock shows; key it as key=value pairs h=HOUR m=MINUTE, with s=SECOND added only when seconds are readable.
h=8 m=30
